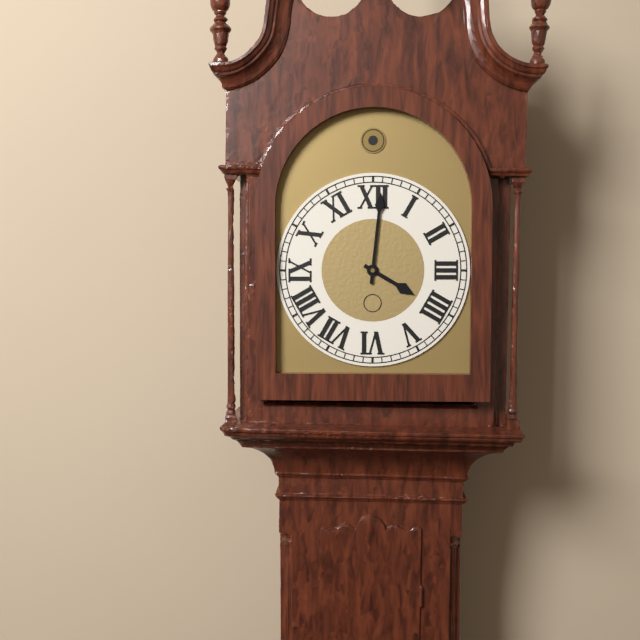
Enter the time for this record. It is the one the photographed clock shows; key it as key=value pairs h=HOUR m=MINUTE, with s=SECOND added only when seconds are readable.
h=4 m=1
